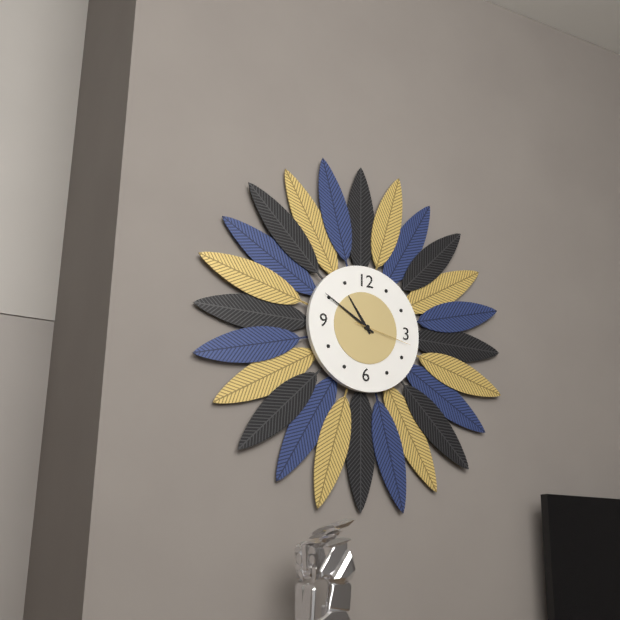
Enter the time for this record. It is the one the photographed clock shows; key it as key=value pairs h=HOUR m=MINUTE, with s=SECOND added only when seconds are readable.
h=10 m=50 s=17
